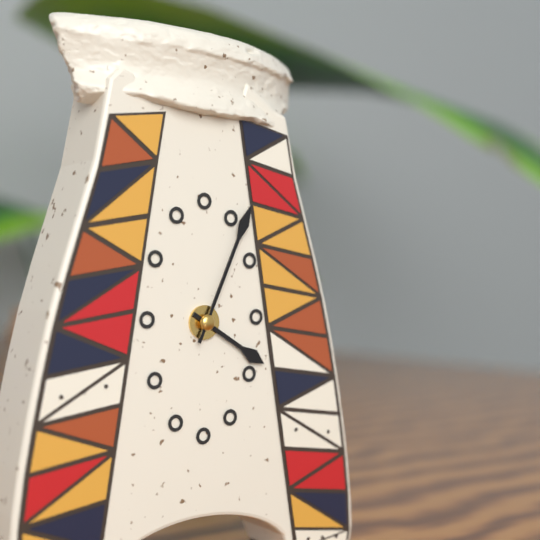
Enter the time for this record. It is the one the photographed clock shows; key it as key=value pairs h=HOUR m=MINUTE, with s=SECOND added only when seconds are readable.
h=4 m=4
